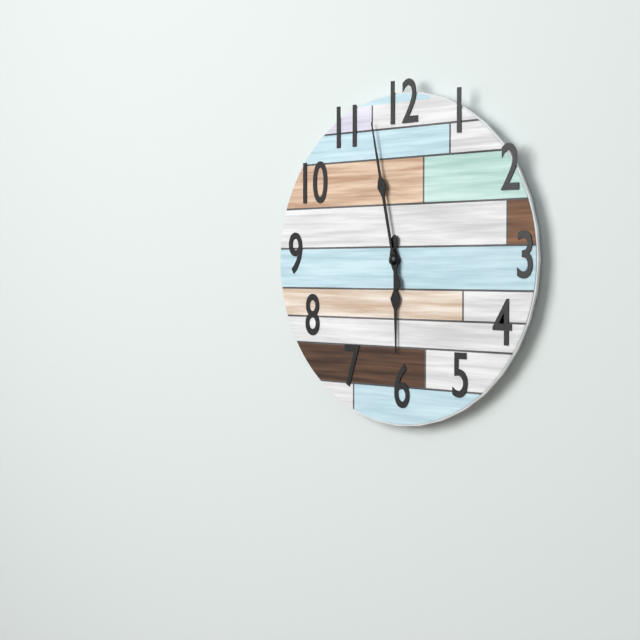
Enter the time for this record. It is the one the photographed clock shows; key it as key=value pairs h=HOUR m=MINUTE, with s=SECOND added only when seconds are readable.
h=5 m=58
